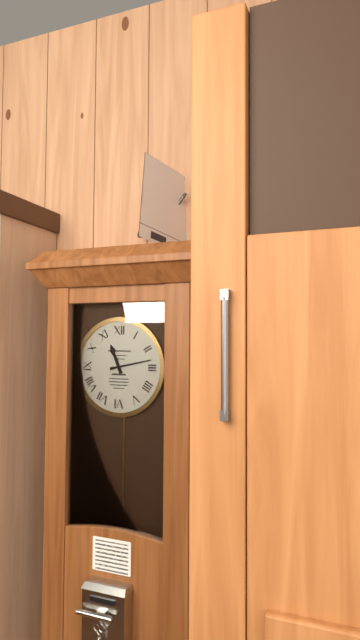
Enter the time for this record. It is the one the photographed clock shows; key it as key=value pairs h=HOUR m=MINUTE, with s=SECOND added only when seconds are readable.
h=11 m=13
